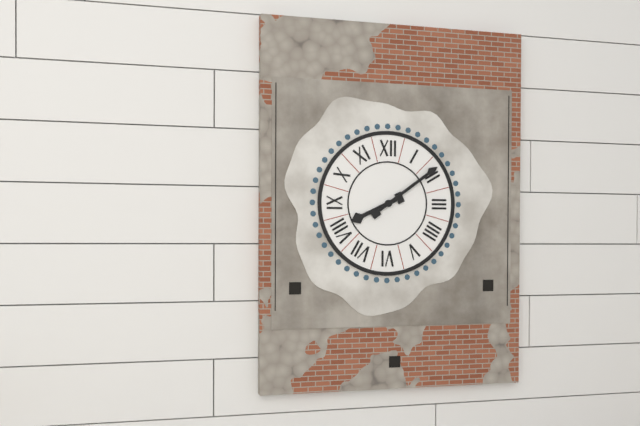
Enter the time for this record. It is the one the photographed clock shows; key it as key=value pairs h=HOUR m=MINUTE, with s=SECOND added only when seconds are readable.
h=8 m=9
